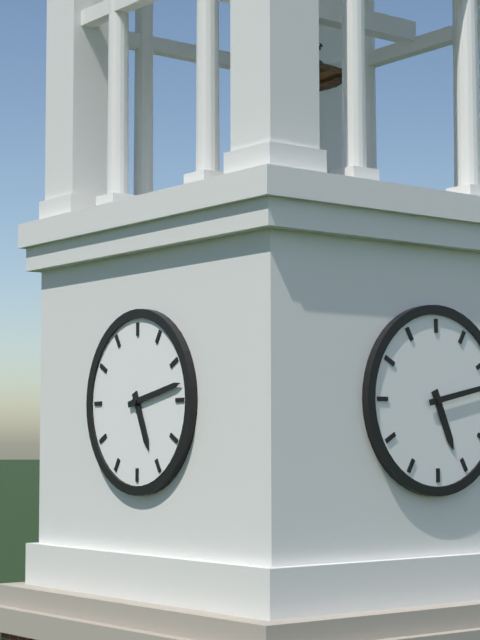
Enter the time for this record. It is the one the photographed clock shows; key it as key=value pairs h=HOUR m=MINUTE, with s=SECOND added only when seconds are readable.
h=5 m=13
